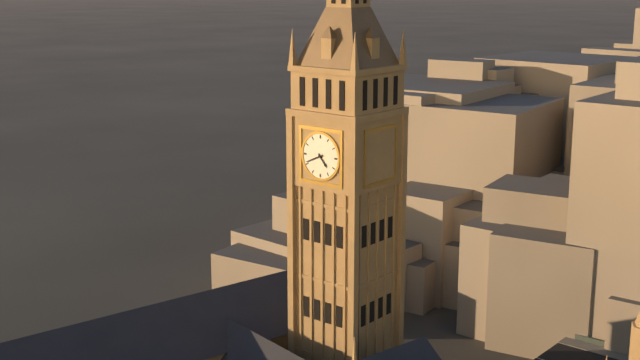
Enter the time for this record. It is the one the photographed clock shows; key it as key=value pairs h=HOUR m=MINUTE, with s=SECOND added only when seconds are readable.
h=4 m=41
